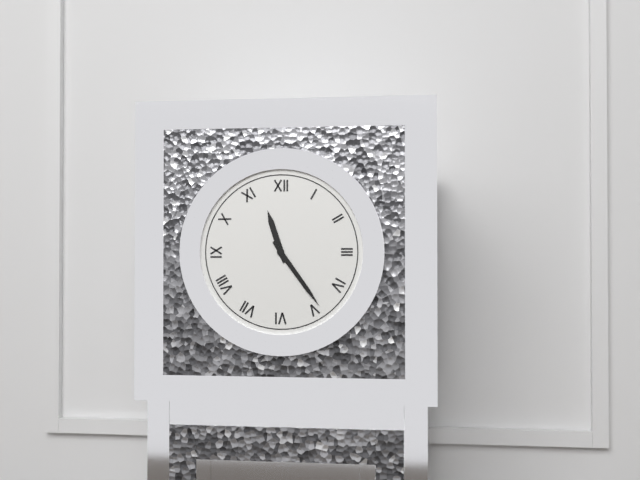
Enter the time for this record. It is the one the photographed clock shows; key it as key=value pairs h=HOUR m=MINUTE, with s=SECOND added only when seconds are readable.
h=11 m=24
